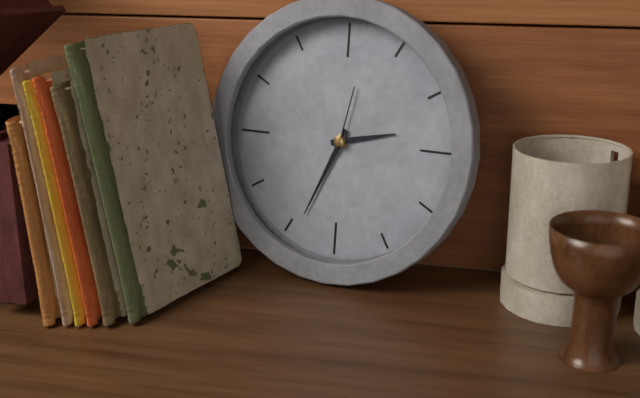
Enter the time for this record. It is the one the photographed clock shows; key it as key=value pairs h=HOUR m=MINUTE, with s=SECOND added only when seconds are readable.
h=2 m=34 s=2
